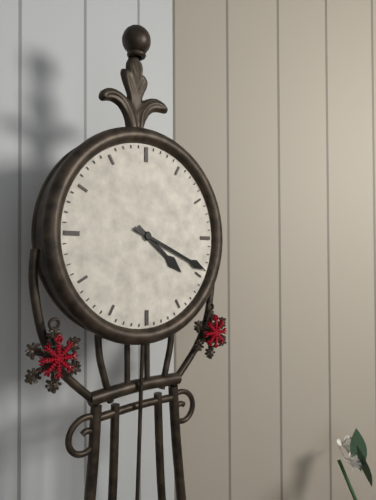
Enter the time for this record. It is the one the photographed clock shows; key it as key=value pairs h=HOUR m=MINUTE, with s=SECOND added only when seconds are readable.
h=4 m=19
